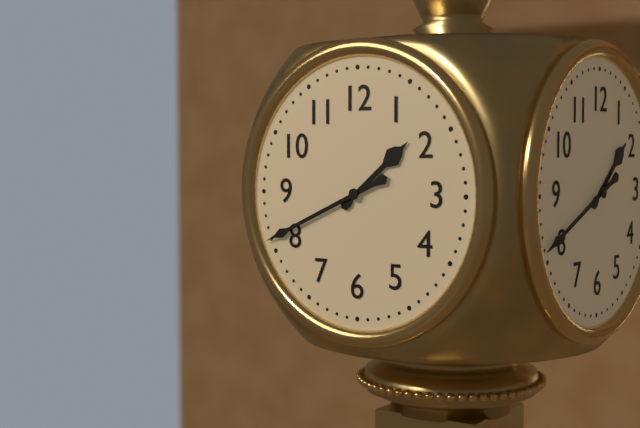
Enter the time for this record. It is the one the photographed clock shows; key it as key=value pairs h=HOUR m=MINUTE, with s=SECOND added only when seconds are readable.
h=1 m=41
